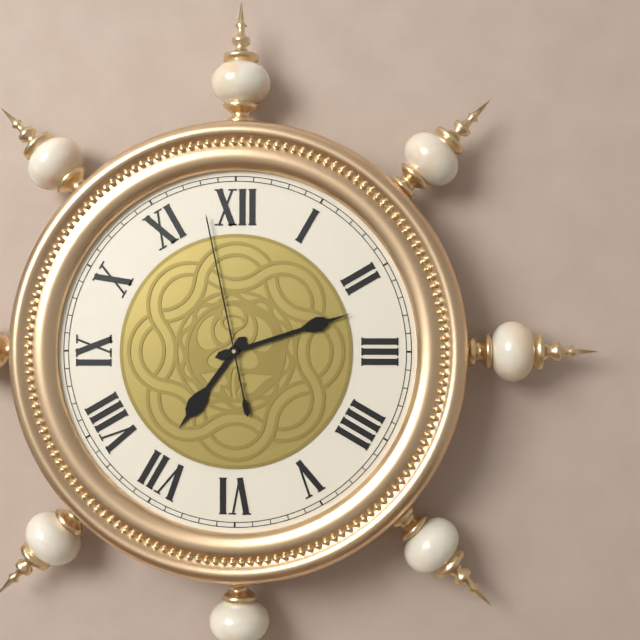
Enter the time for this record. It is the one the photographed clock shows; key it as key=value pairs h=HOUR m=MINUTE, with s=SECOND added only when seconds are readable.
h=7 m=12 s=58
